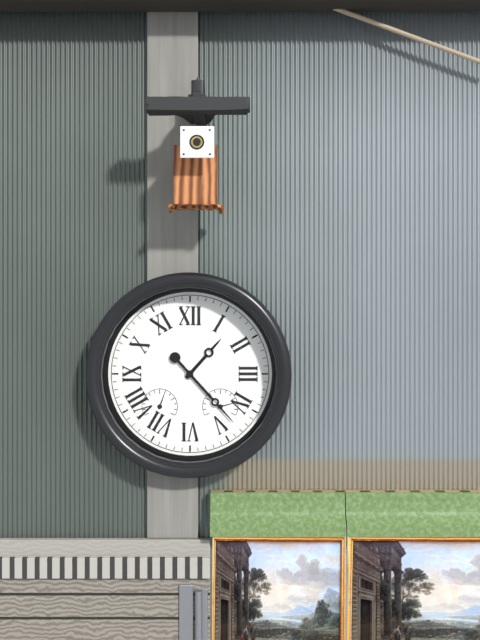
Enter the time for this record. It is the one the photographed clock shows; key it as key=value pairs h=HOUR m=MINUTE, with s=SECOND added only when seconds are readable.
h=1 m=23
